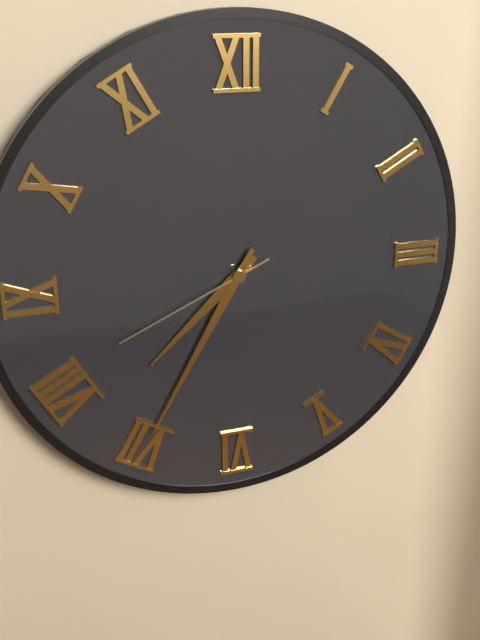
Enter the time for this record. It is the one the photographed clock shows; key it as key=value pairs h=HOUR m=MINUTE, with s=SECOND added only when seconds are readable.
h=7 m=35 s=41
